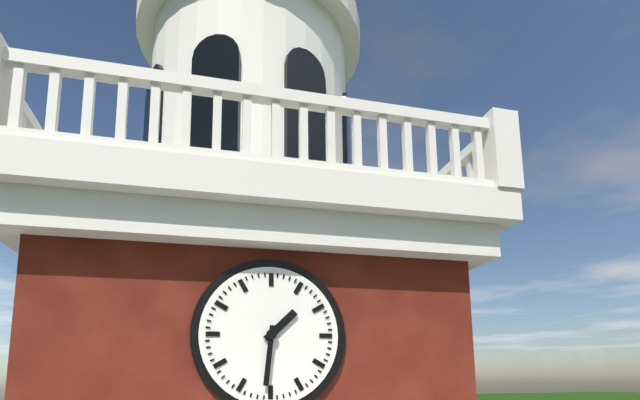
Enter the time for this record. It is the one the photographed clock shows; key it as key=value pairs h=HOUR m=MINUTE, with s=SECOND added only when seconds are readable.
h=1 m=31
